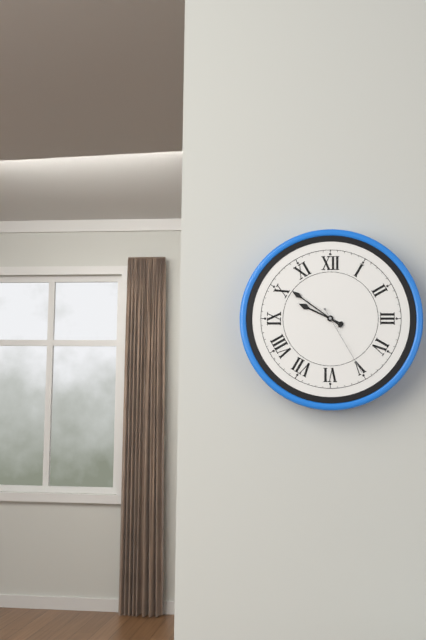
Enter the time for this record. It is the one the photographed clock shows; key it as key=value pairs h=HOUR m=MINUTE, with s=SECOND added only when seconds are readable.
h=9 m=51 s=25
